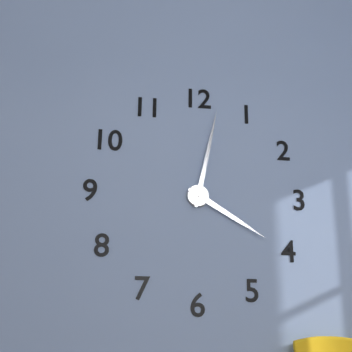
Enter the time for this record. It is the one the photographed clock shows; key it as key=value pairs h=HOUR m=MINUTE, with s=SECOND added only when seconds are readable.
h=4 m=2
